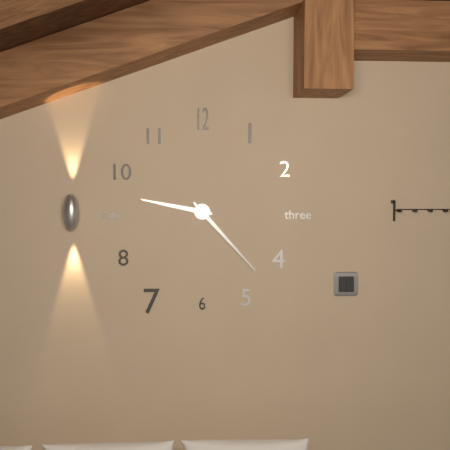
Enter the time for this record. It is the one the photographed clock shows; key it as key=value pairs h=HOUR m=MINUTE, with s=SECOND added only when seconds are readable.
h=9 m=23
